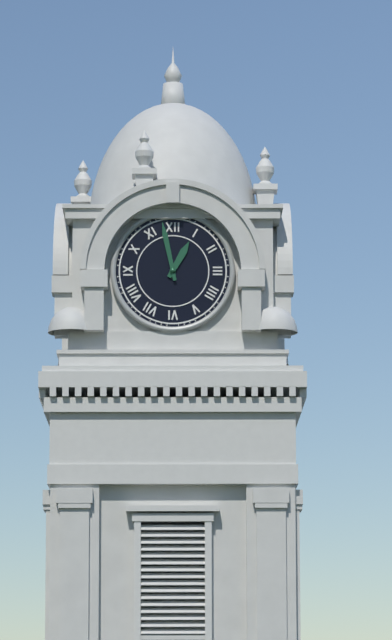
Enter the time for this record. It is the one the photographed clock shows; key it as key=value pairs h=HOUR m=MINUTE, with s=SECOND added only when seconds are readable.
h=12 m=58
